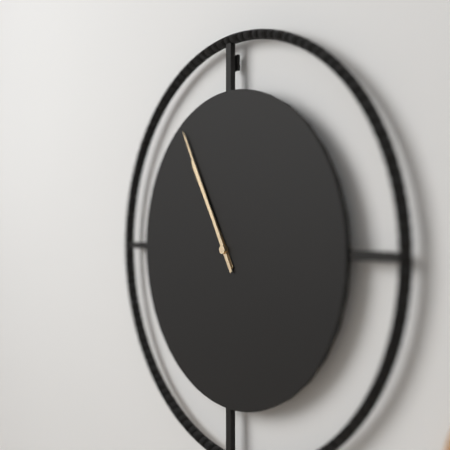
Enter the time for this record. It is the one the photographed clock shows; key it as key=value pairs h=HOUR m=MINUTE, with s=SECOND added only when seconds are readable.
h=10 m=55
